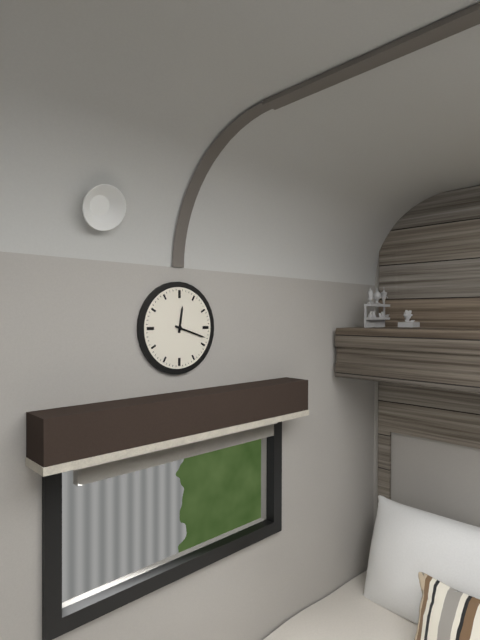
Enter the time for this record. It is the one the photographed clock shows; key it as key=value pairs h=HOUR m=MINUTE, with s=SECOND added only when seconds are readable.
h=12 m=18
